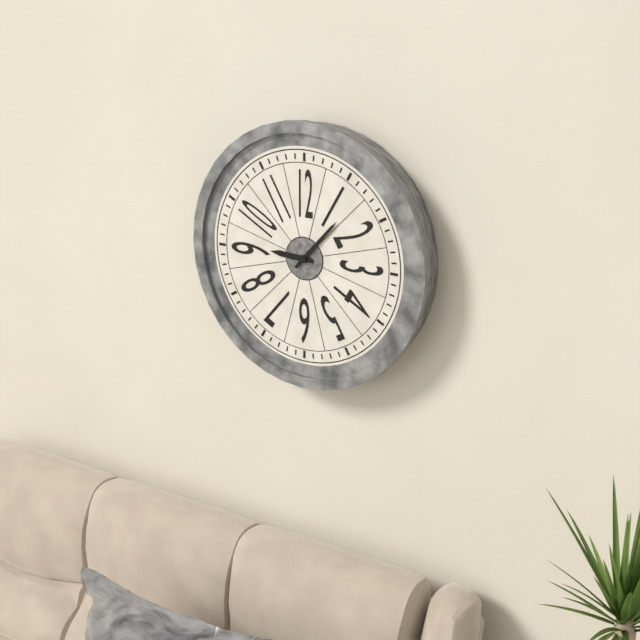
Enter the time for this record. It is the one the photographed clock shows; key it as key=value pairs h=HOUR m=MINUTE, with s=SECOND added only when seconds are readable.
h=9 m=7
